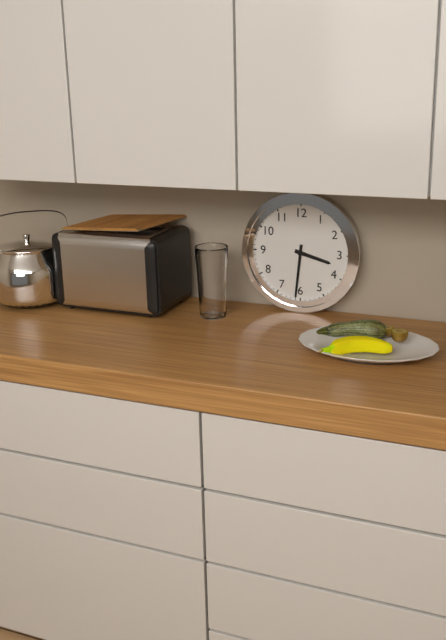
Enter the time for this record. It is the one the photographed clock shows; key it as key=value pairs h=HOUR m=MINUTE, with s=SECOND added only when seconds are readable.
h=3 m=31
